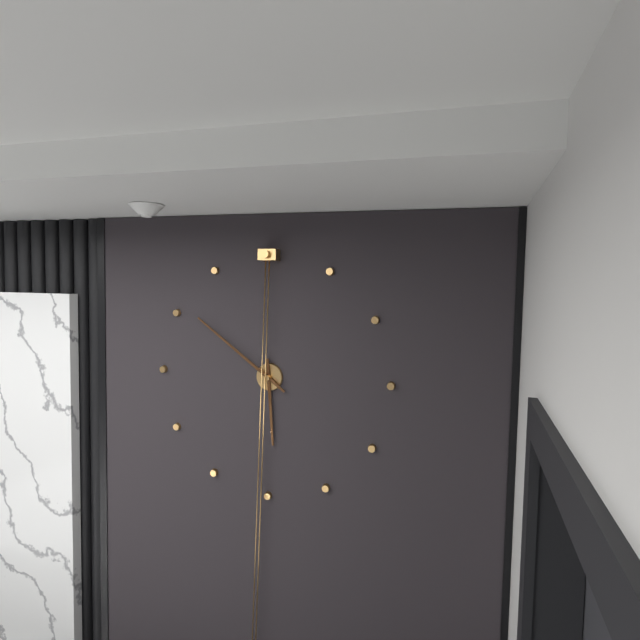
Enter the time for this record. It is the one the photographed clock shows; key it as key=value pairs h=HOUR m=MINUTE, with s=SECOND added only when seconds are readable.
h=5 m=51
